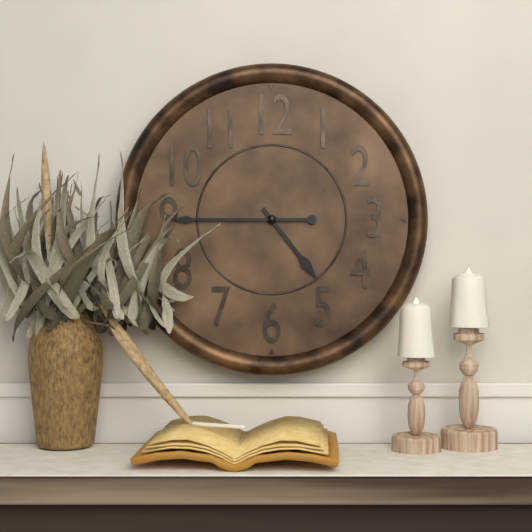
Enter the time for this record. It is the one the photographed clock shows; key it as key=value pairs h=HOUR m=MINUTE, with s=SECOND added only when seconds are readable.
h=4 m=45
